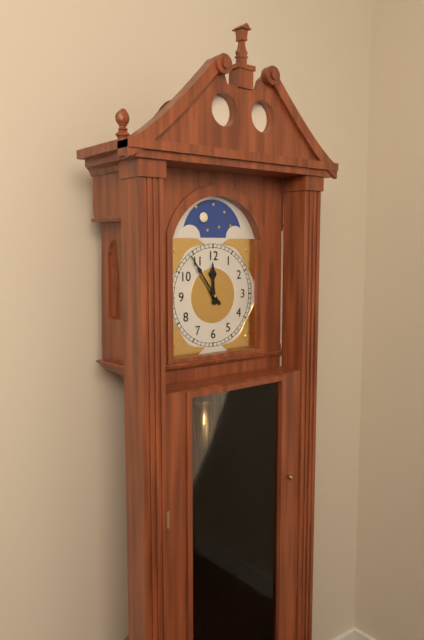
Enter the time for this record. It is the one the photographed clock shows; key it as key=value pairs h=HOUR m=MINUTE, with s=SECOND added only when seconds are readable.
h=11 m=54
